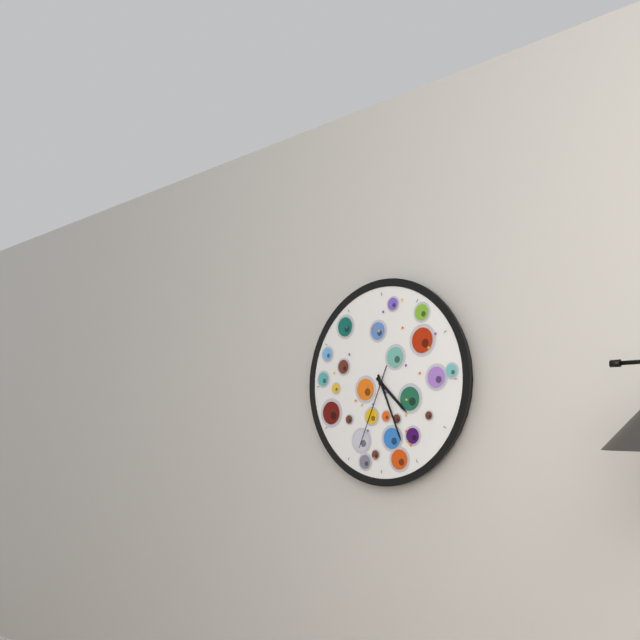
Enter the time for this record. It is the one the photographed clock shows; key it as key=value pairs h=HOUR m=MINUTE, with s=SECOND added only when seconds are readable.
h=4 m=26 s=34
